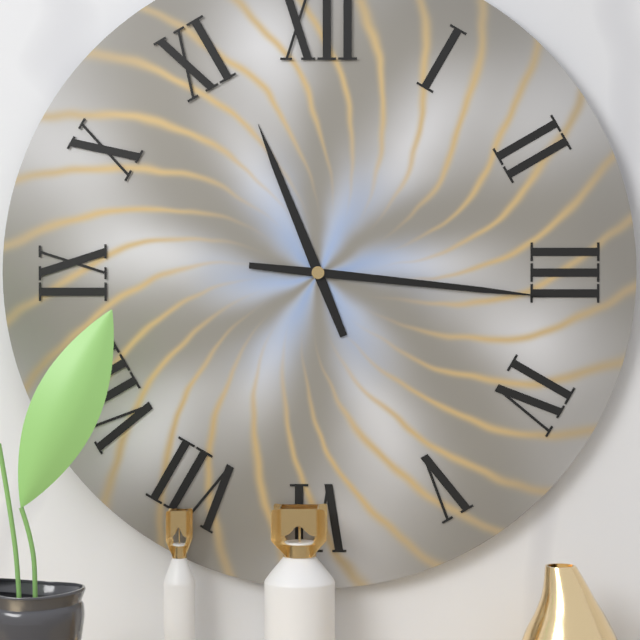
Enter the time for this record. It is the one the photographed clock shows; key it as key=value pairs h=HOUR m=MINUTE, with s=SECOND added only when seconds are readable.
h=11 m=16
